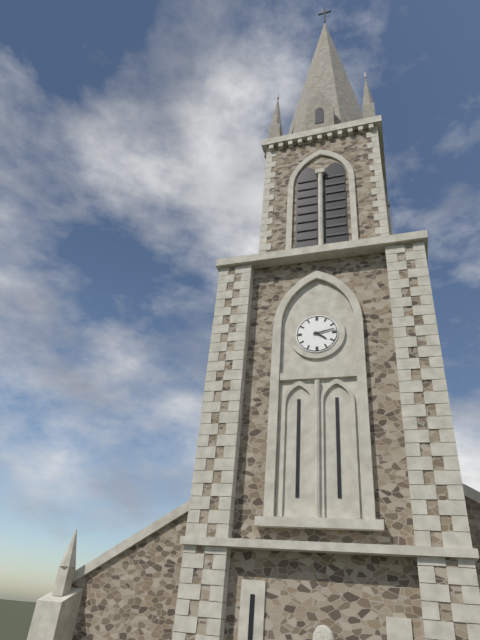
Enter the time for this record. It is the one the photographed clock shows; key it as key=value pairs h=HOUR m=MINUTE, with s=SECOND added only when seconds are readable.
h=4 m=13
